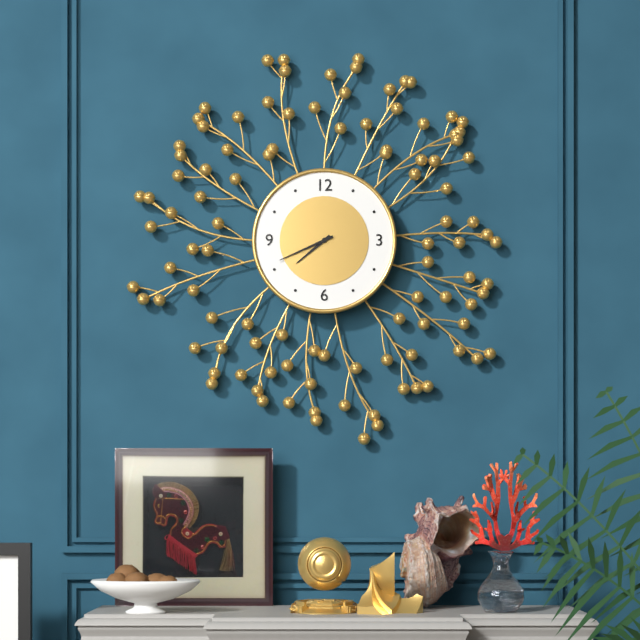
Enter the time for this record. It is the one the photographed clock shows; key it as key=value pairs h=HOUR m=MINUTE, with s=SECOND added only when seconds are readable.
h=7 m=41
